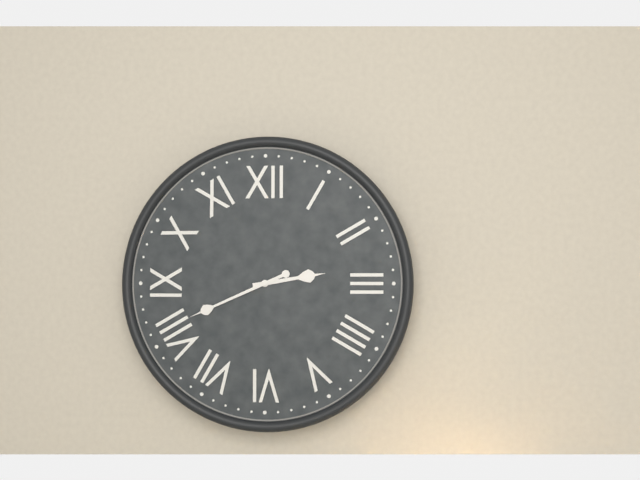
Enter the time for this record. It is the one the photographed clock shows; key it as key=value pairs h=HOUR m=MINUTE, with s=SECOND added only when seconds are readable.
h=2 m=41
